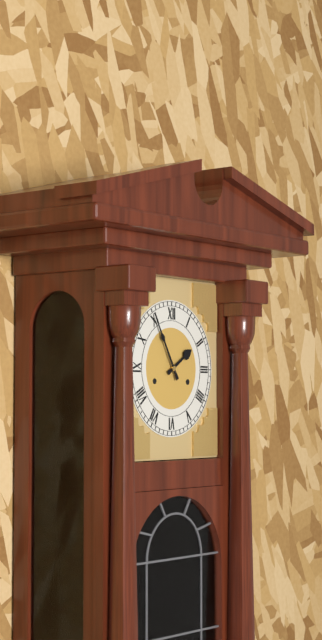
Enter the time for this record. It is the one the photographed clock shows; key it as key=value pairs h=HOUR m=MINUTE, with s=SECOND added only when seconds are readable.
h=1 m=55
